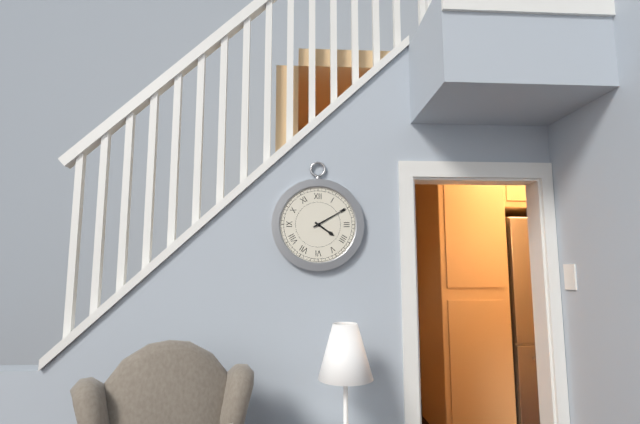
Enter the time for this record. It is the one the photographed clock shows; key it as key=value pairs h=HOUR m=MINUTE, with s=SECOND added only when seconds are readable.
h=4 m=10
